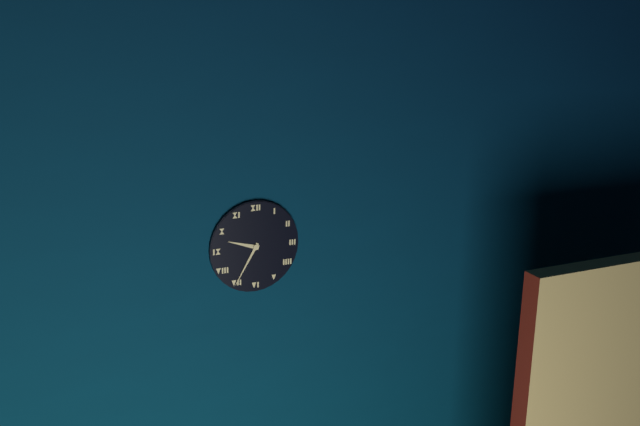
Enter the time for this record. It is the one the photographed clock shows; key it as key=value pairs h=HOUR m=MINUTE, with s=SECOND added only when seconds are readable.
h=9 m=35
